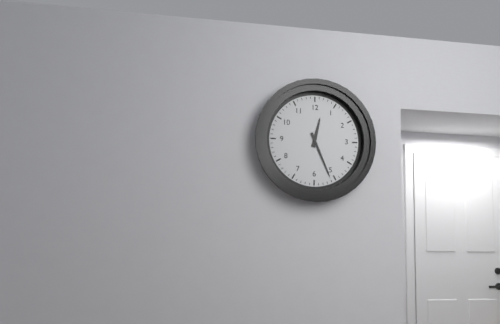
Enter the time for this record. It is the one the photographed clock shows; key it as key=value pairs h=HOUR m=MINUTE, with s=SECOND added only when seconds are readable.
h=12 m=26
